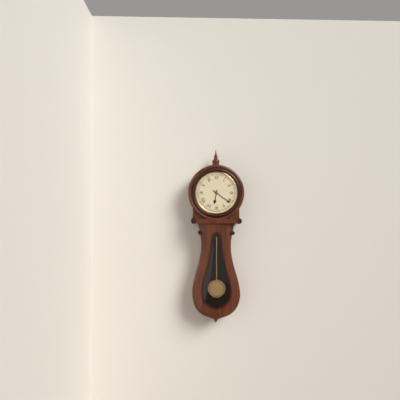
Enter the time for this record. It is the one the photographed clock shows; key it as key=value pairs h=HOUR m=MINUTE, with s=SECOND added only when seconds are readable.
h=6 m=21
